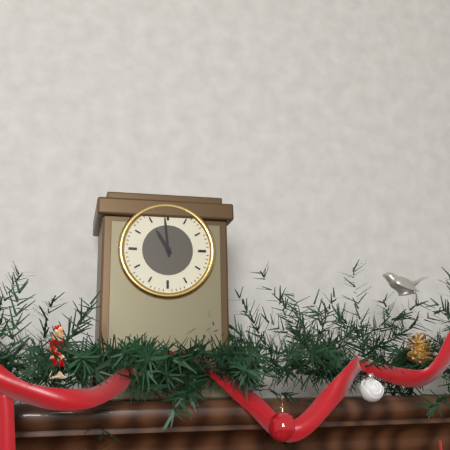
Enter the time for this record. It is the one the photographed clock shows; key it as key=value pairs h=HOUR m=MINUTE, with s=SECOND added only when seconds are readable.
h=10 m=59
